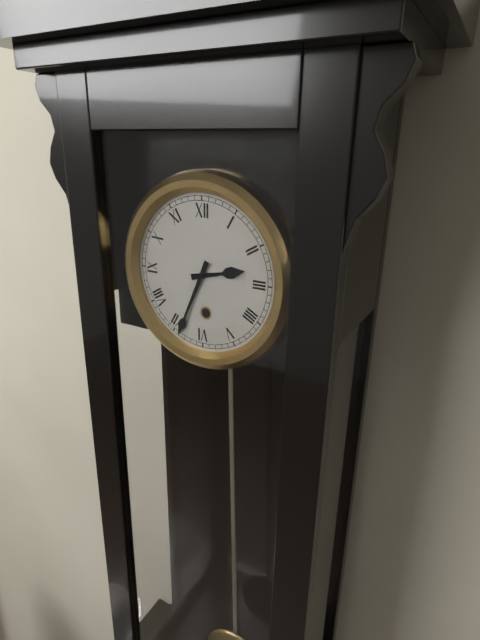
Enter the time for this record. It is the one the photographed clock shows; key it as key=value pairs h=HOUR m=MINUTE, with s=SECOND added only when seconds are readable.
h=2 m=34
